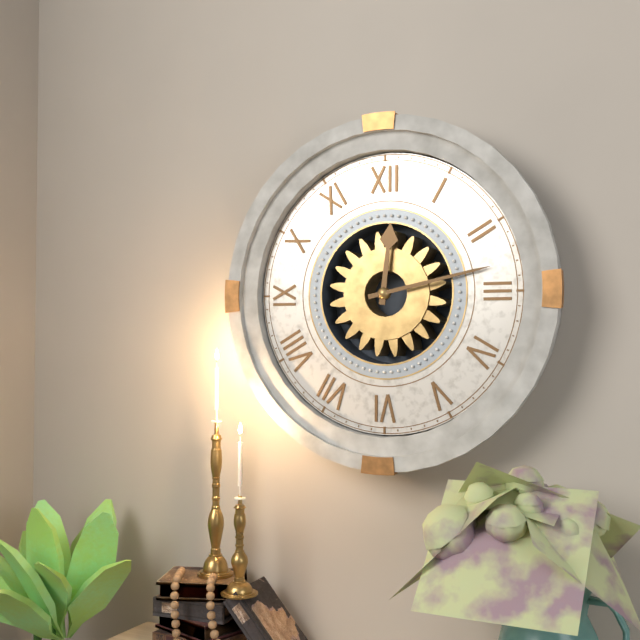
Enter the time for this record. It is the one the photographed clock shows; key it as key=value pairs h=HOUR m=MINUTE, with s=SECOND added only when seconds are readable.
h=12 m=13
